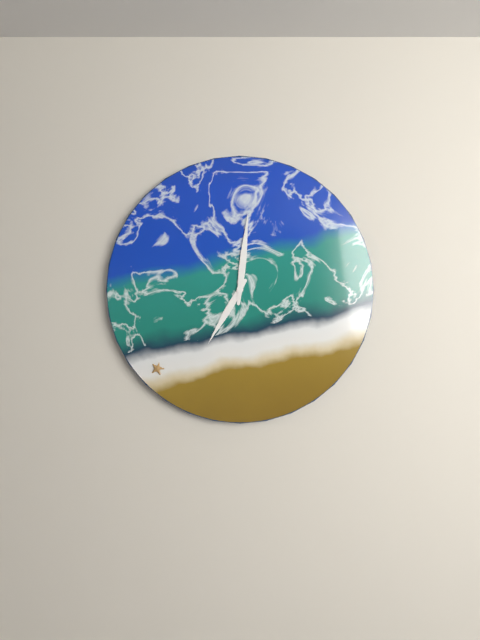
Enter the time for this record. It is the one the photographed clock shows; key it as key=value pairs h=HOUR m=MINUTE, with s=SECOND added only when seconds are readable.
h=7 m=1
